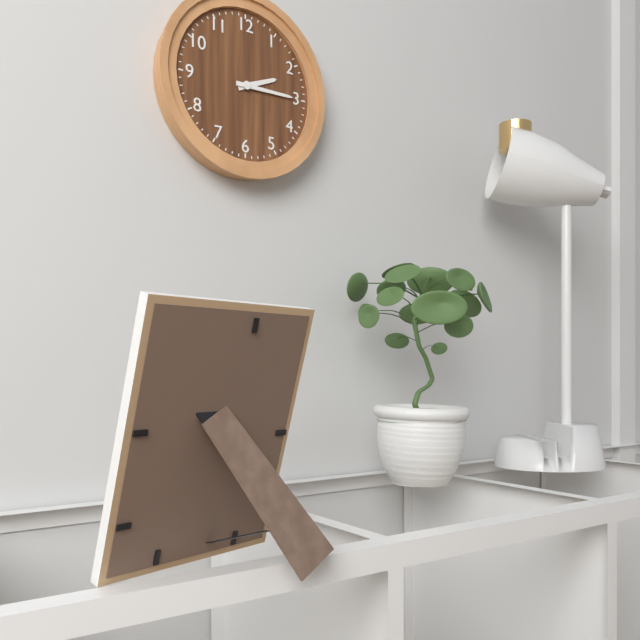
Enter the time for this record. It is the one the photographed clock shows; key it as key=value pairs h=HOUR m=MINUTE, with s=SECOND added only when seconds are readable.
h=2 m=15
